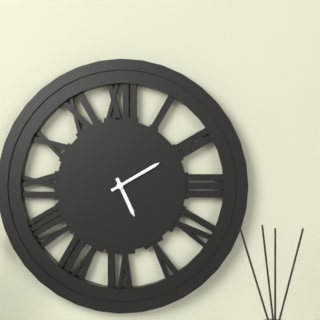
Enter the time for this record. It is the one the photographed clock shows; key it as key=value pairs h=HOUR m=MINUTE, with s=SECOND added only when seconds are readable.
h=5 m=10
